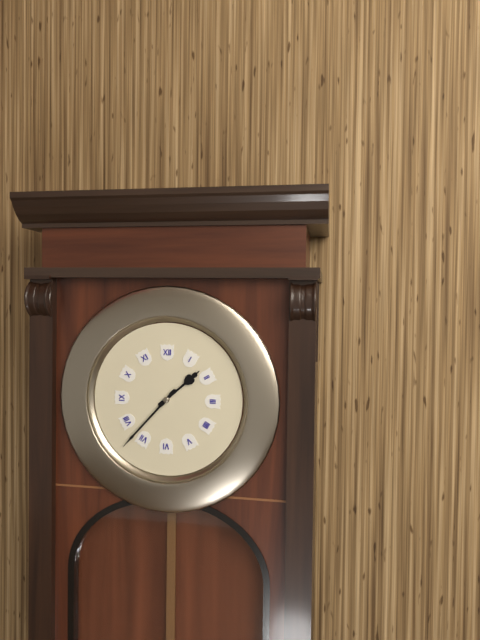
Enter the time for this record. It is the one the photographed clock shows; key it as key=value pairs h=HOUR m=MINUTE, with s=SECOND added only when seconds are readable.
h=1 m=37
